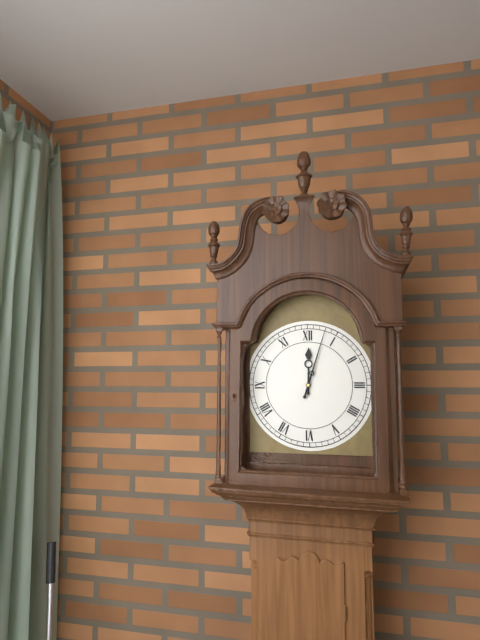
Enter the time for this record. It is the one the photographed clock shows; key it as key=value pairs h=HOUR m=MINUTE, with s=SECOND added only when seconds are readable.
h=12 m=3
